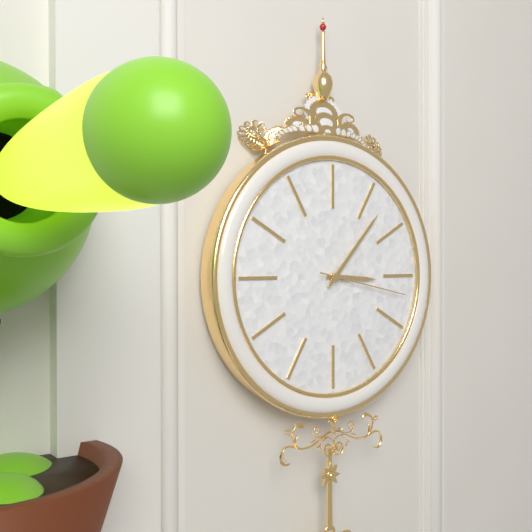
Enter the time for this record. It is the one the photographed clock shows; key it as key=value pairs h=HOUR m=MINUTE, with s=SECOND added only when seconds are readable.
h=3 m=7 s=17
